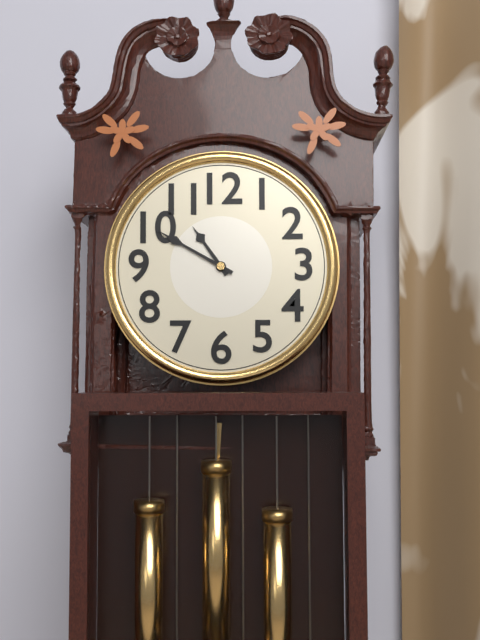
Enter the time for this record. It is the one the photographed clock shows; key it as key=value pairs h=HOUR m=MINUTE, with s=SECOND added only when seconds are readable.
h=10 m=50
